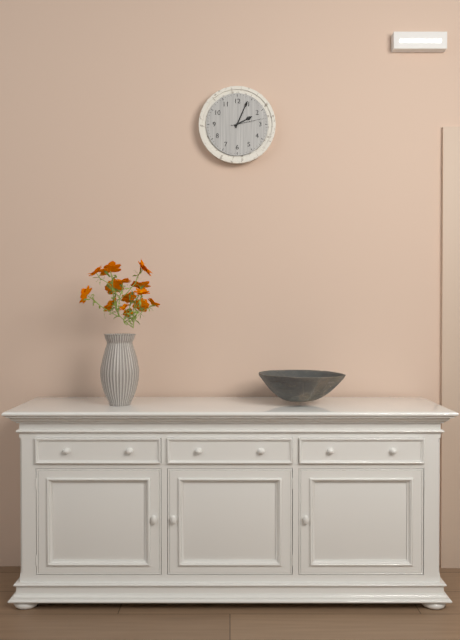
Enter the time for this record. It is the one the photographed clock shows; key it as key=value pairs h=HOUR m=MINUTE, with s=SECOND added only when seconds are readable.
h=2 m=4
